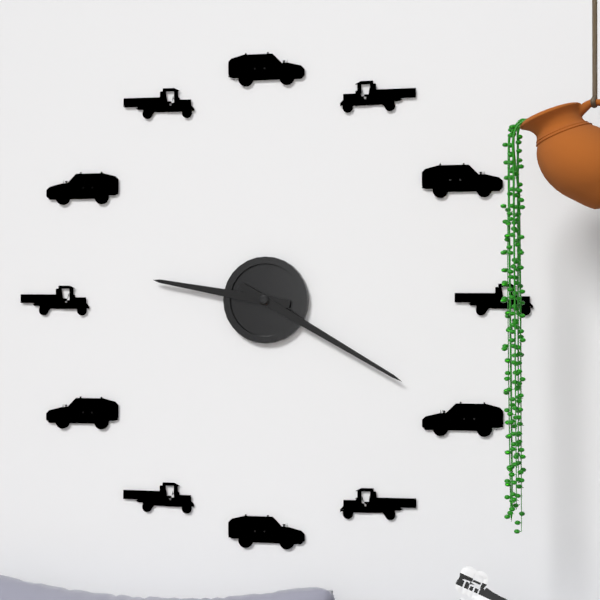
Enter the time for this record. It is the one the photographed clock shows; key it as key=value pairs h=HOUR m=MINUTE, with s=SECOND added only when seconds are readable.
h=9 m=20
